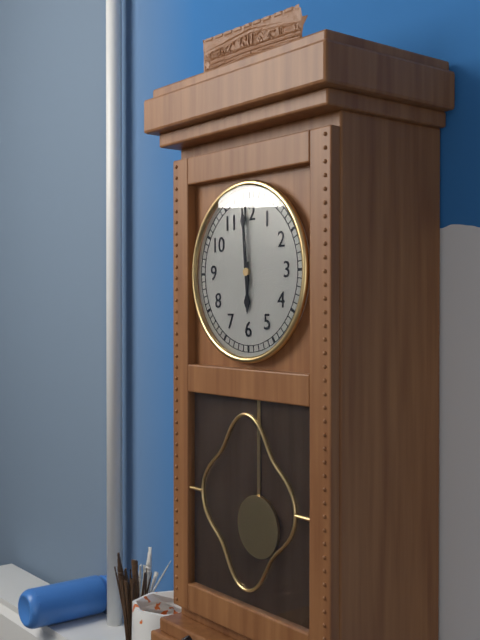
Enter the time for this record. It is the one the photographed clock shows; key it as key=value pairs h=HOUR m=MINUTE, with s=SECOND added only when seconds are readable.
h=5 m=59
